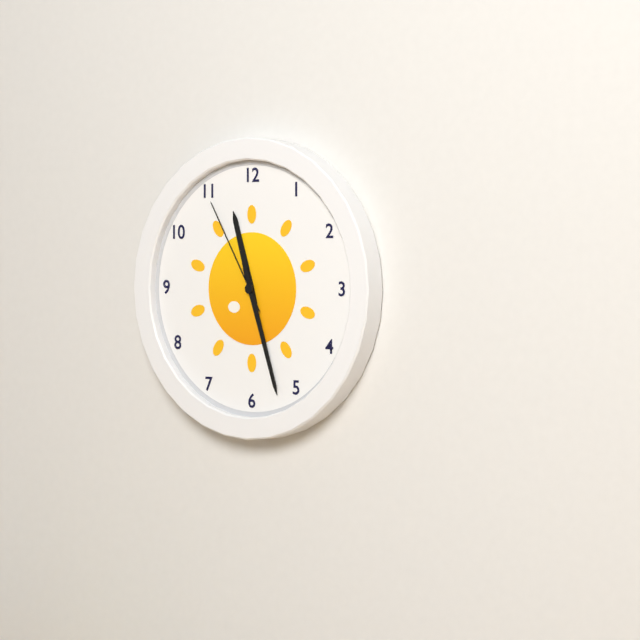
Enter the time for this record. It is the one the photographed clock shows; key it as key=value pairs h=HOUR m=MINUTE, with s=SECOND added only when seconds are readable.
h=11 m=27 s=55
